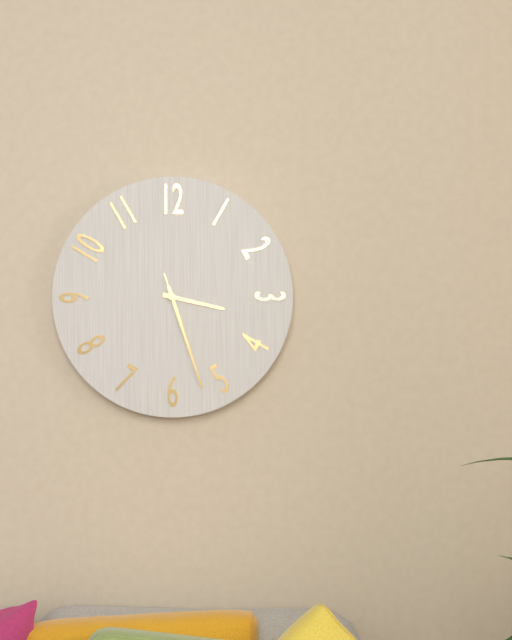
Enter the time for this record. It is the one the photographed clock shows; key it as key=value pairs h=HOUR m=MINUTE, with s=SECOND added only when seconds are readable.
h=3 m=27 s=27
